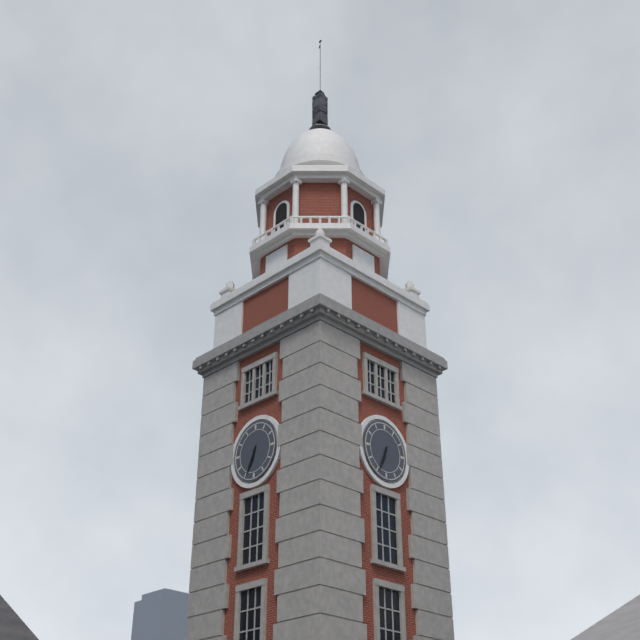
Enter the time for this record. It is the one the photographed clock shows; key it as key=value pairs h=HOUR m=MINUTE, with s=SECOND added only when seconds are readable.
h=6 m=34
